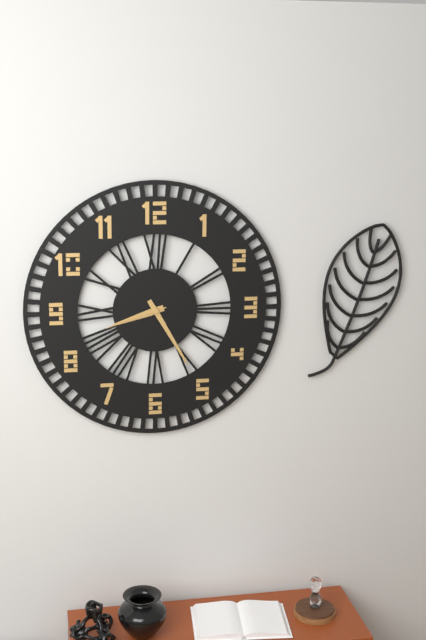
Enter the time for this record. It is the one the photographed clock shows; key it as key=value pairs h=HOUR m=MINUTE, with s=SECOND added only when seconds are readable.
h=8 m=25 s=42
